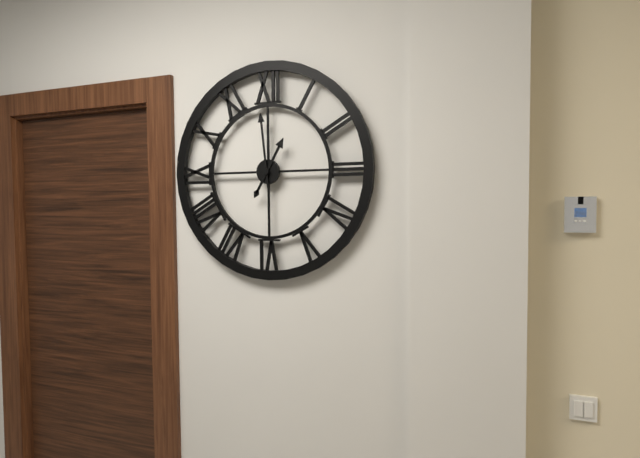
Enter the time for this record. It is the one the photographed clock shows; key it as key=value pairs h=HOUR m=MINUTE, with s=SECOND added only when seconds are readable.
h=12 m=59
